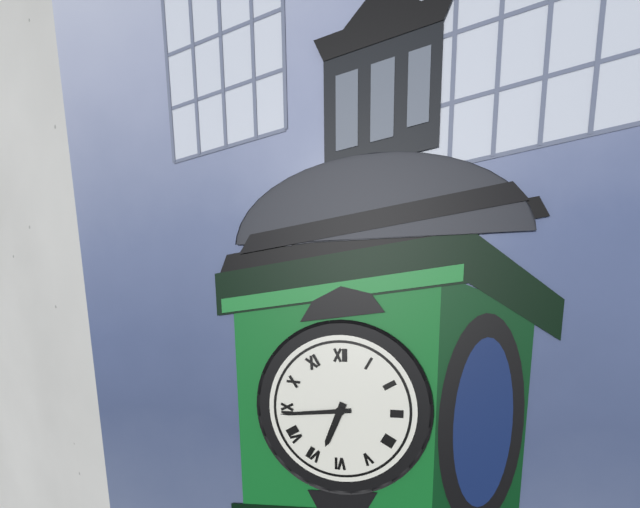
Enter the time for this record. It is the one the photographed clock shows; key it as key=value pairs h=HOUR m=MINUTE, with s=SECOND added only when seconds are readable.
h=6 m=44
